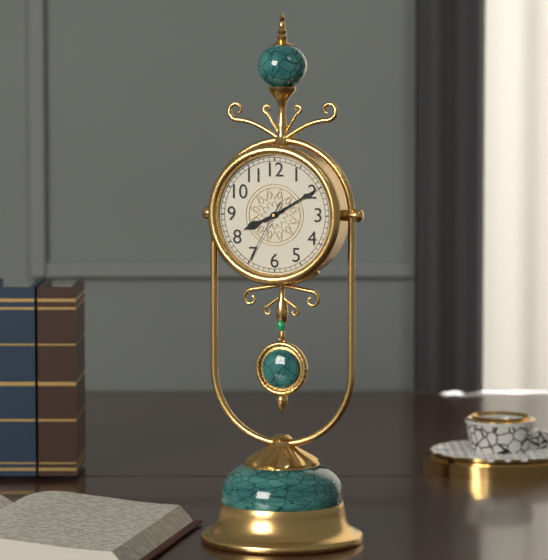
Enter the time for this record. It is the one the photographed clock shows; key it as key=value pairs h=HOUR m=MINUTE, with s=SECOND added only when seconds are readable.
h=8 m=10 s=35
